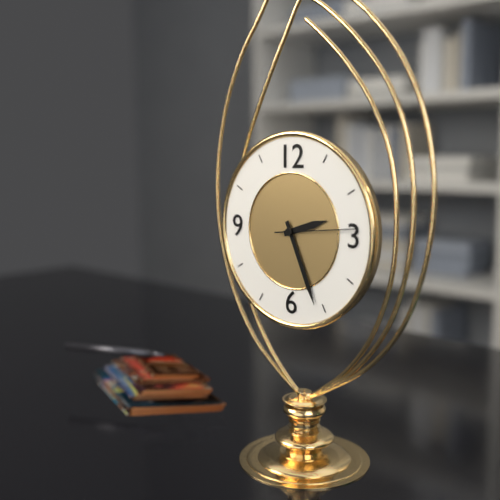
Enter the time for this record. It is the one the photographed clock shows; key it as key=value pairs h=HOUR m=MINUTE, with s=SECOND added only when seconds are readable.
h=2 m=26 s=14
